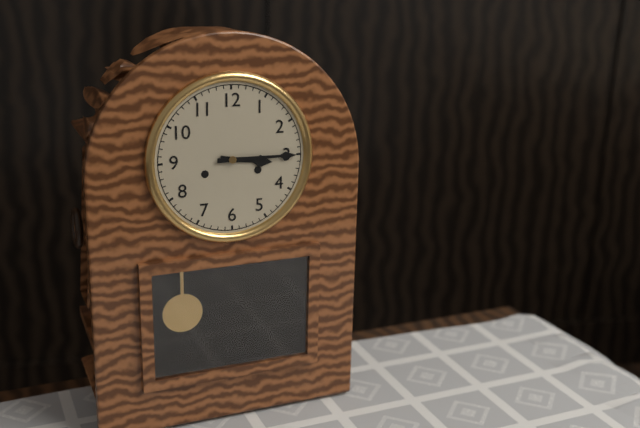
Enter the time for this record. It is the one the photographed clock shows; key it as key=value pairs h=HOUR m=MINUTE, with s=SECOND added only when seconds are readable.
h=3 m=15
